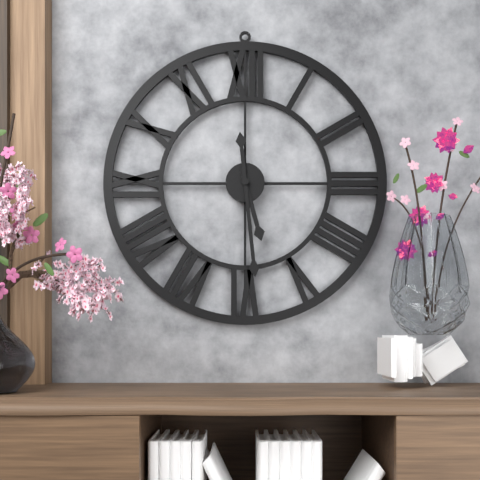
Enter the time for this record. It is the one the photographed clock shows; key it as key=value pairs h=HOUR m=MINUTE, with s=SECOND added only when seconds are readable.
h=5 m=29
